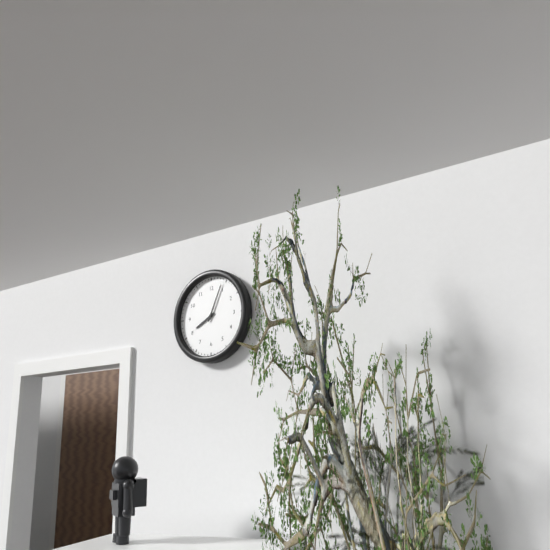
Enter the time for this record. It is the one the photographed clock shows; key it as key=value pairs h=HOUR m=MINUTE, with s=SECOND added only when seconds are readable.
h=8 m=4
